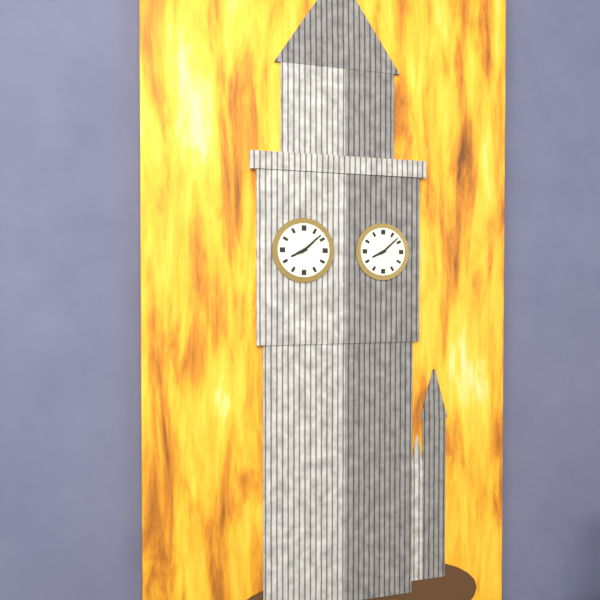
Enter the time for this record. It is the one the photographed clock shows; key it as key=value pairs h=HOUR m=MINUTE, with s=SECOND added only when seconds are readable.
h=8 m=8
